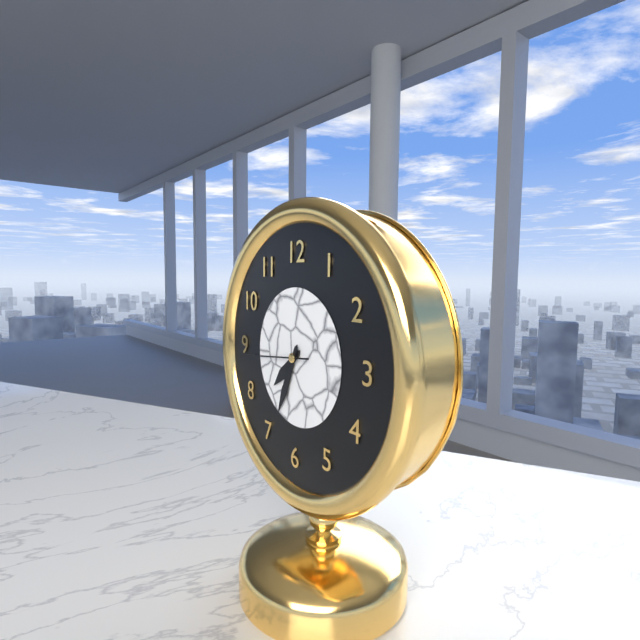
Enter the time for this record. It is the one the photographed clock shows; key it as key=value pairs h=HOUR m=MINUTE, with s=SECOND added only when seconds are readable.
h=7 m=34 s=44
